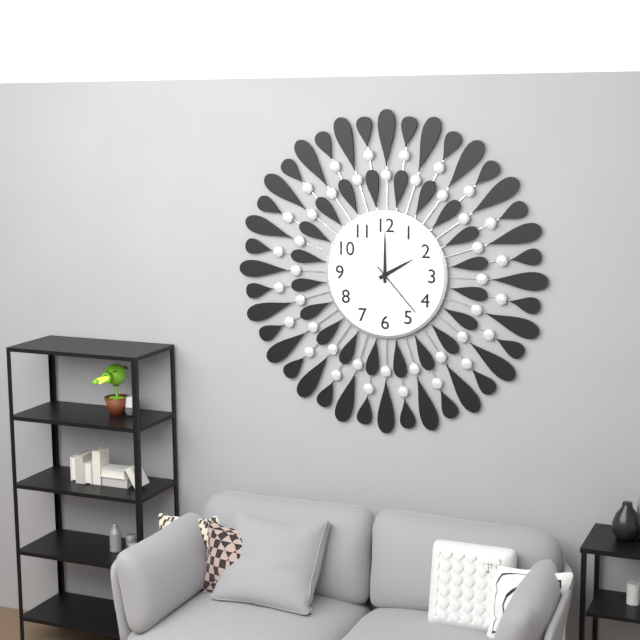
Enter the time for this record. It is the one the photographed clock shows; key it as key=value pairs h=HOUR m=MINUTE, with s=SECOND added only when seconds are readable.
h=2 m=0 s=23
